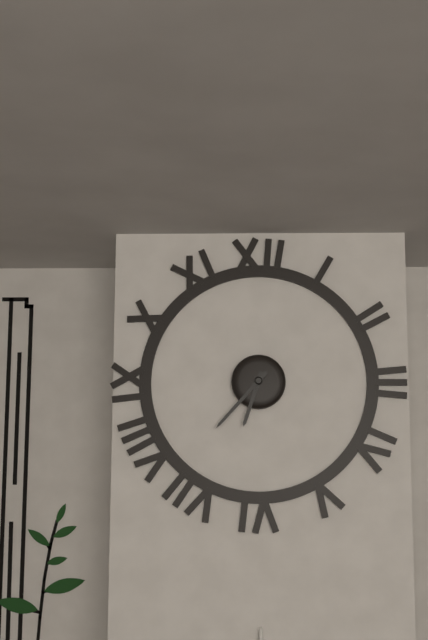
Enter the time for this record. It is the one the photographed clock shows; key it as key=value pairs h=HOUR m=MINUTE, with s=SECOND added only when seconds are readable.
h=6 m=37
